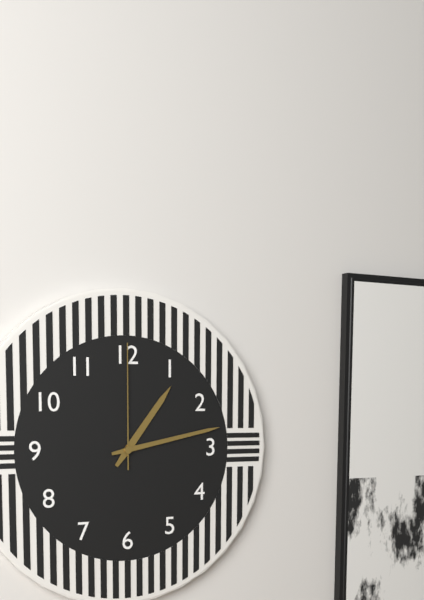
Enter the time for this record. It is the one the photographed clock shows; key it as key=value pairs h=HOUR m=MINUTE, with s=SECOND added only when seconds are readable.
h=1 m=13 s=0
